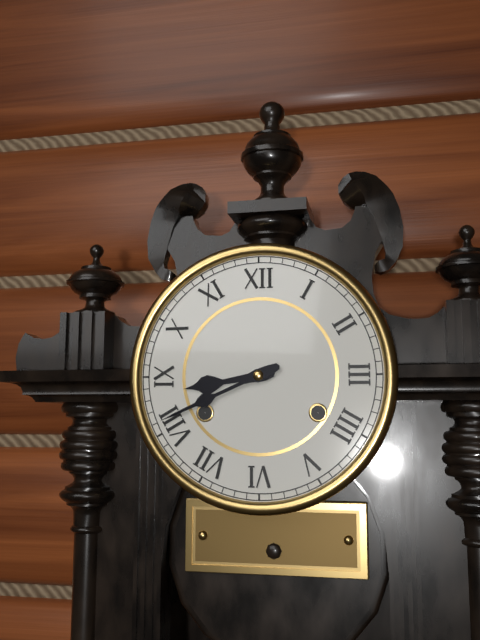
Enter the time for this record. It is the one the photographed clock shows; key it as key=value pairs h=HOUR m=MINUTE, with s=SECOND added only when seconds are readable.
h=8 m=41
